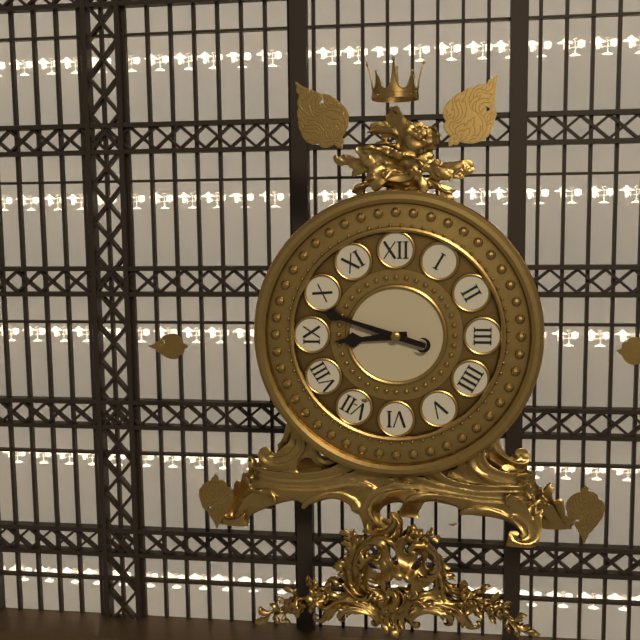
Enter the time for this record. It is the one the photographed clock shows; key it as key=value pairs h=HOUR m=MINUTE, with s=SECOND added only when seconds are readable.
h=8 m=48
